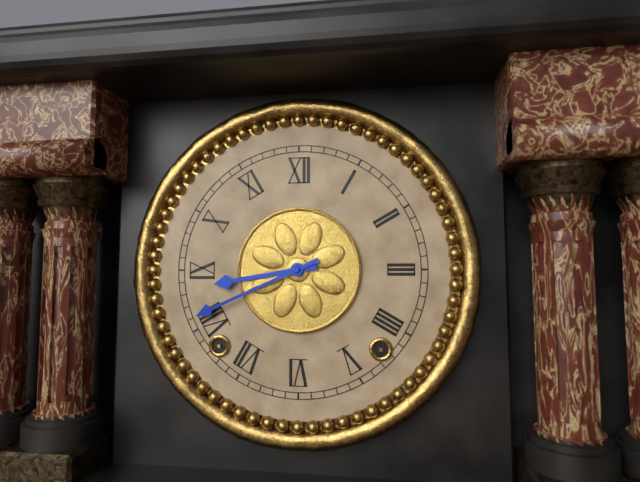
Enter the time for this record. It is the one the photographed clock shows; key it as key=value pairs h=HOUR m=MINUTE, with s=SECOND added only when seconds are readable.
h=8 m=41
